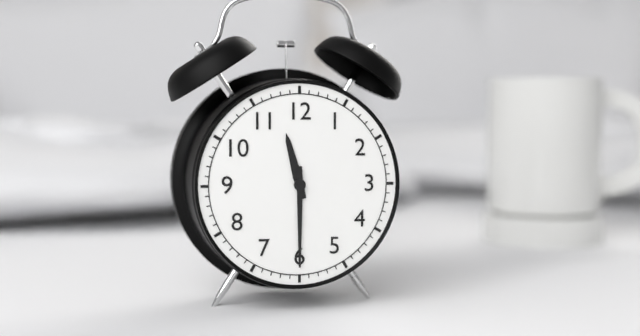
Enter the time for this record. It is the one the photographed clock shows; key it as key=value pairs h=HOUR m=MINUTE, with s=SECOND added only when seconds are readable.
h=11 m=30
